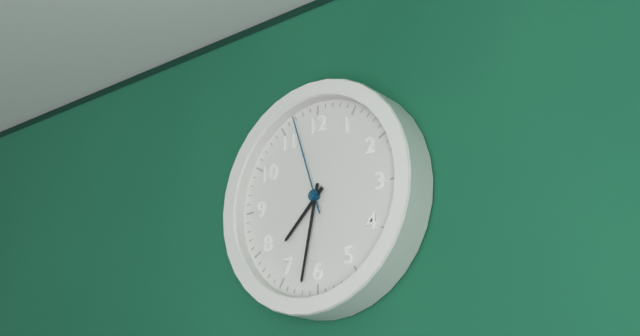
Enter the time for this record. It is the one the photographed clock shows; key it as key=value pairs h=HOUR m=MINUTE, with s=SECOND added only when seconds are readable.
h=7 m=32 s=57
